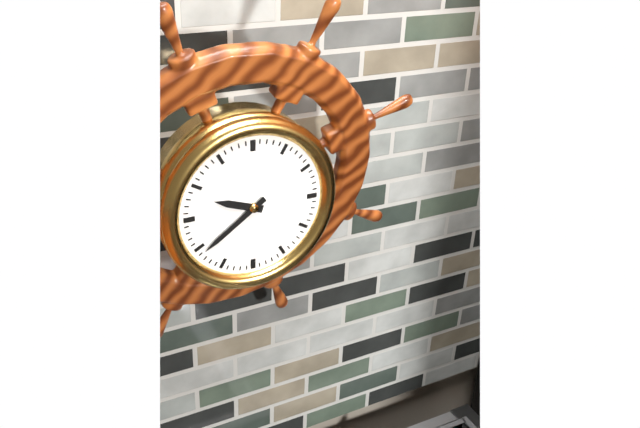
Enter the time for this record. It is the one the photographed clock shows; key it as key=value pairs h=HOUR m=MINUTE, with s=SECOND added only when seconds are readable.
h=9 m=39
